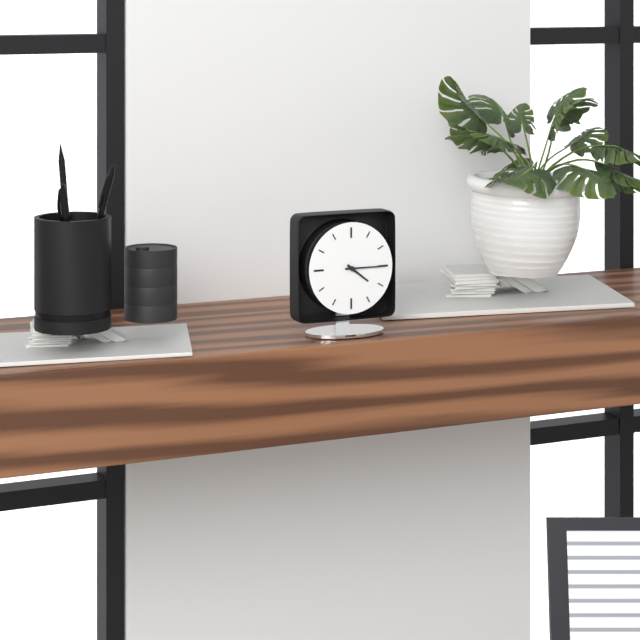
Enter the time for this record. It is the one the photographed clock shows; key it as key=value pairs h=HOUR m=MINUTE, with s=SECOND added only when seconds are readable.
h=4 m=15
